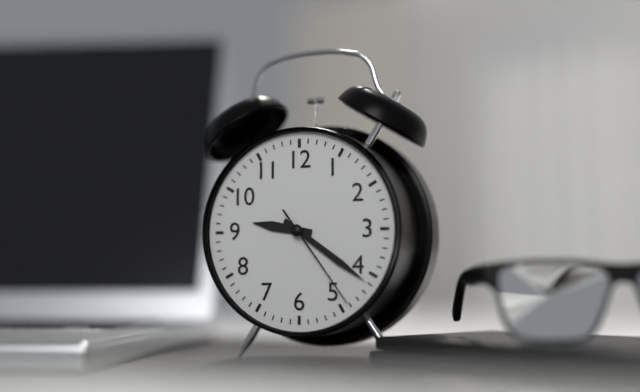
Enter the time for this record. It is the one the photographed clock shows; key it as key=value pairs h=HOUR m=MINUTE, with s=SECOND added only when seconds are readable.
h=9 m=21 s=24
